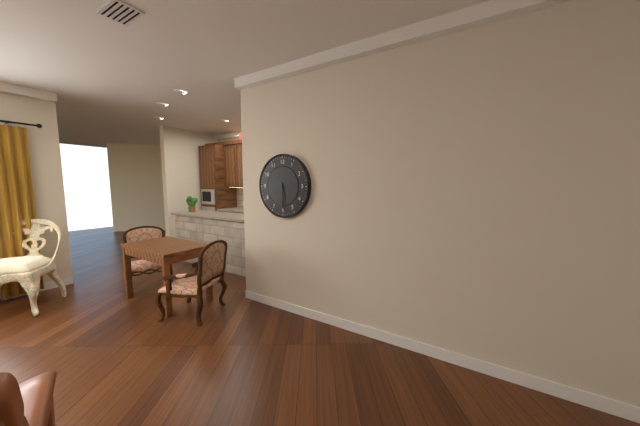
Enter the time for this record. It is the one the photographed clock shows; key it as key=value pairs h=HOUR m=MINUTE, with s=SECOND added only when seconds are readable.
h=5 m=30
